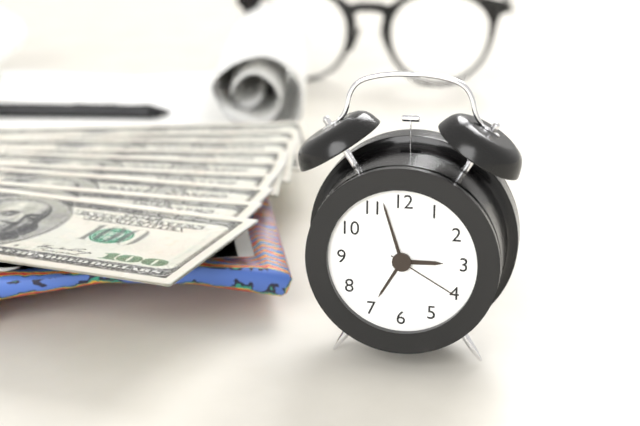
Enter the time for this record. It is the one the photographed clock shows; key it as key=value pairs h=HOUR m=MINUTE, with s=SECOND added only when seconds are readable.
h=2 m=57 s=20
